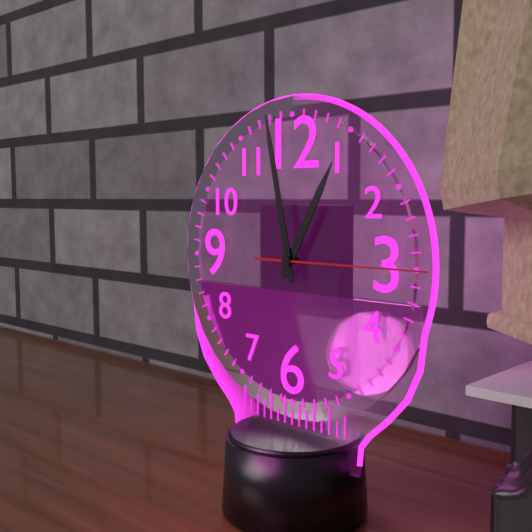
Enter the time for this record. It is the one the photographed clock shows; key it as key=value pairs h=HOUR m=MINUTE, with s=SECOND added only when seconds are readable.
h=12 m=58 s=15
